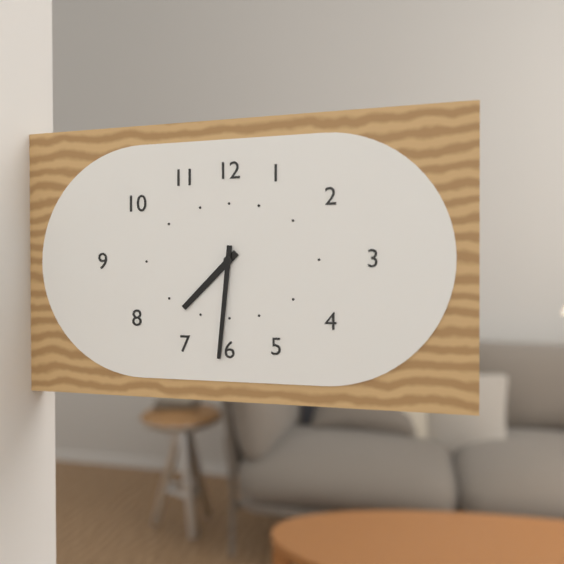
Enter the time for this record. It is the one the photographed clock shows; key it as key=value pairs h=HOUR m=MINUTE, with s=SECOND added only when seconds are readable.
h=7 m=31
